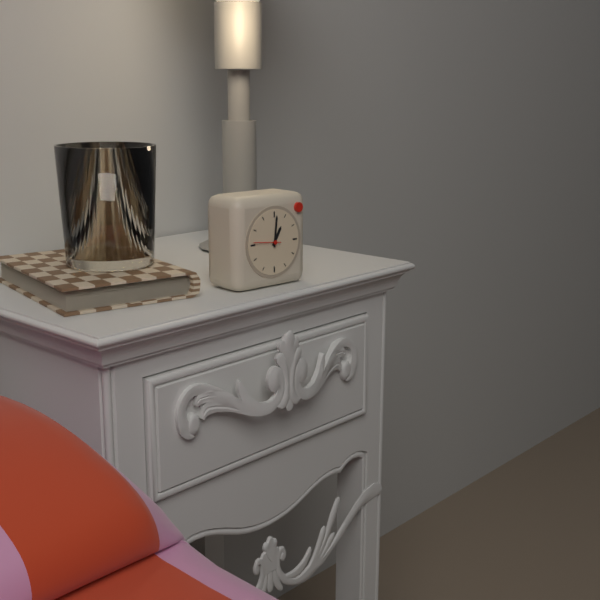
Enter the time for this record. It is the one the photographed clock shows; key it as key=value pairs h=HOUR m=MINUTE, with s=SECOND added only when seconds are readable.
h=1 m=1
